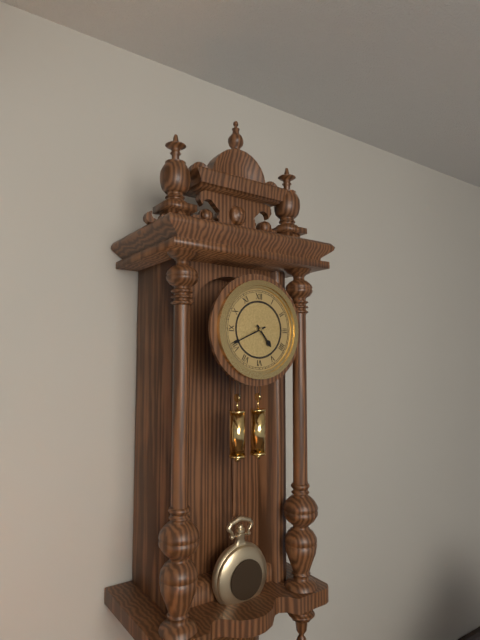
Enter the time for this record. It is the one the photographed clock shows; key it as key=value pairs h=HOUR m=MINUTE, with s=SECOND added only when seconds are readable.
h=4 m=41
